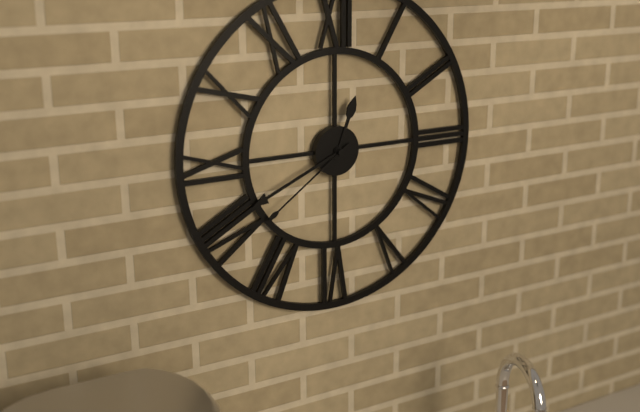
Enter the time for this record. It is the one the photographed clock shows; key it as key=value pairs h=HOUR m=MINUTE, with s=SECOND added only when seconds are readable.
h=12 m=41 s=39
